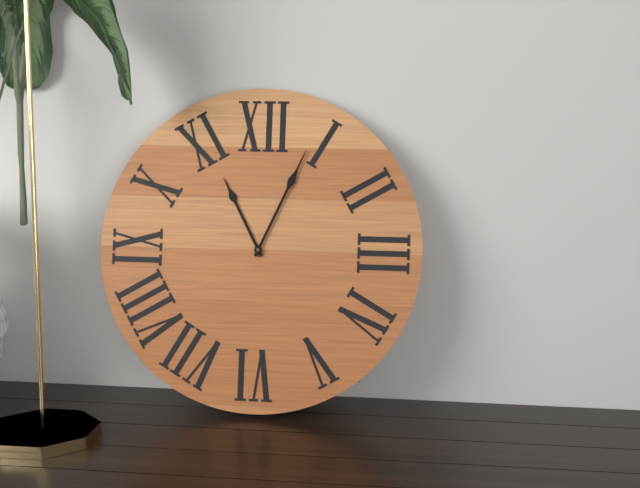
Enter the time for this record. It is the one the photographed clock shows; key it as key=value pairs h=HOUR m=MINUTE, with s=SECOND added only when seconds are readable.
h=11 m=4
